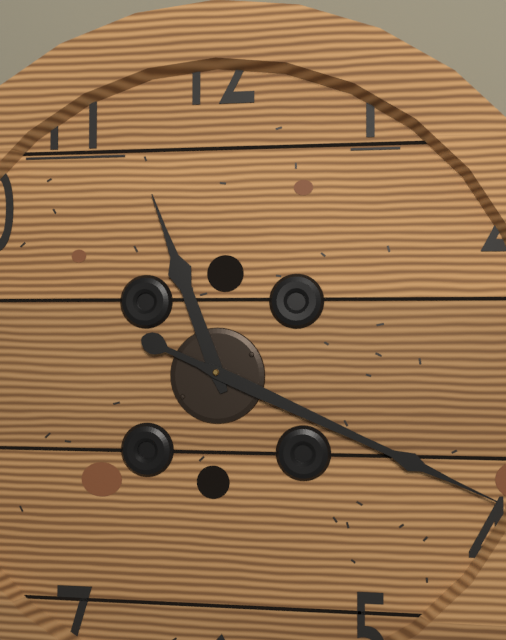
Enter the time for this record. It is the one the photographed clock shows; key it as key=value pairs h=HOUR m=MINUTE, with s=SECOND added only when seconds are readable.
h=11 m=19
